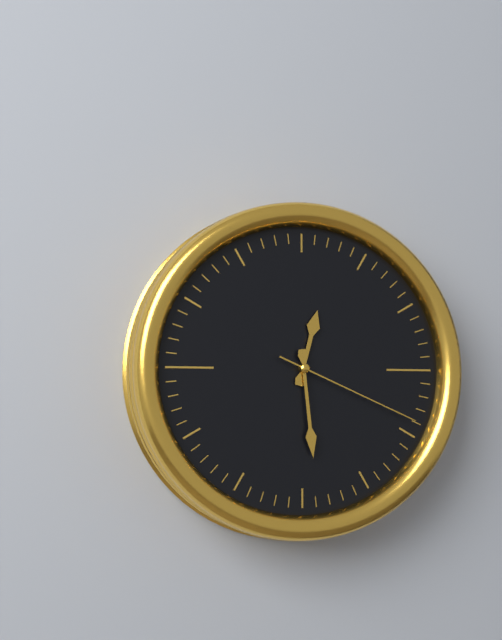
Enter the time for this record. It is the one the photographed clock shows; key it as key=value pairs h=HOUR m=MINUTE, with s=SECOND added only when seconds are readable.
h=12 m=29 s=19
